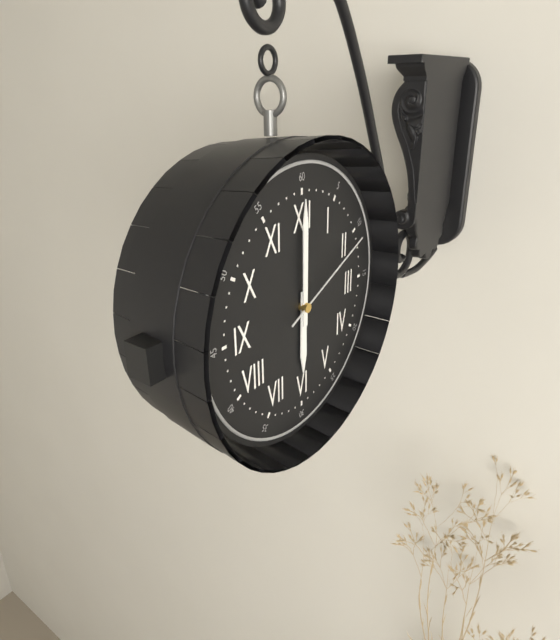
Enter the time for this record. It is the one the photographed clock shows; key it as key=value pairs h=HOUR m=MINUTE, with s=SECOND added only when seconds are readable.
h=6 m=0 s=11
